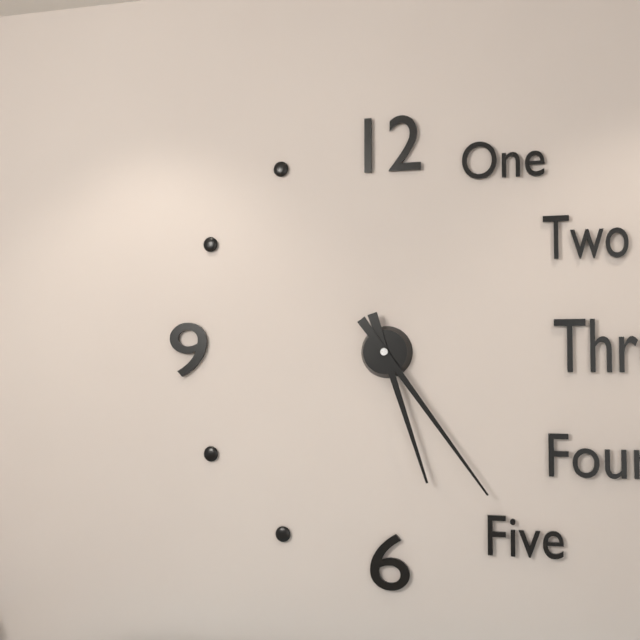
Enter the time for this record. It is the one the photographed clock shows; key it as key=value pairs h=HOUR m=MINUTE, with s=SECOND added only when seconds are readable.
h=5 m=24
